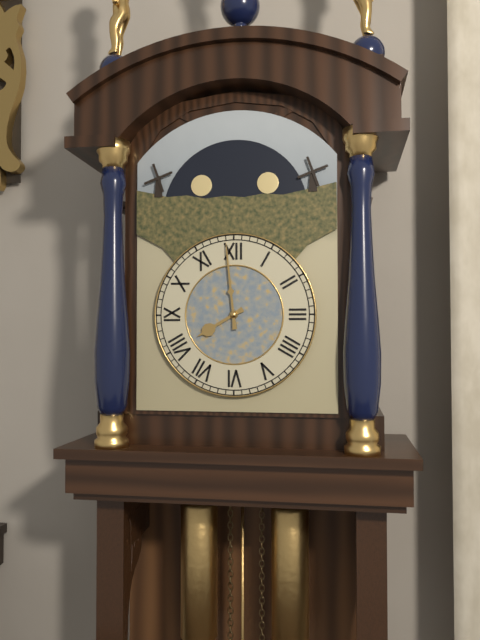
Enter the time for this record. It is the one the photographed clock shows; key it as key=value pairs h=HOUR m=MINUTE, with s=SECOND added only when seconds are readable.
h=7 m=59
